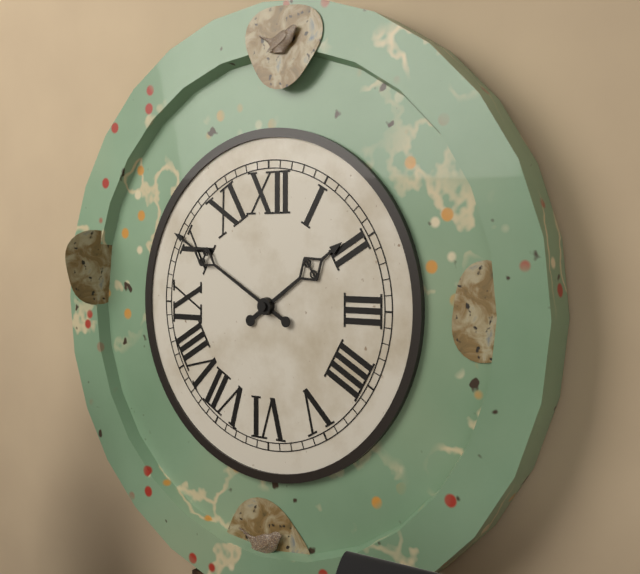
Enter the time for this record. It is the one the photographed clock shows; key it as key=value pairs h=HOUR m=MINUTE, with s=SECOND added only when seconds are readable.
h=1 m=50
